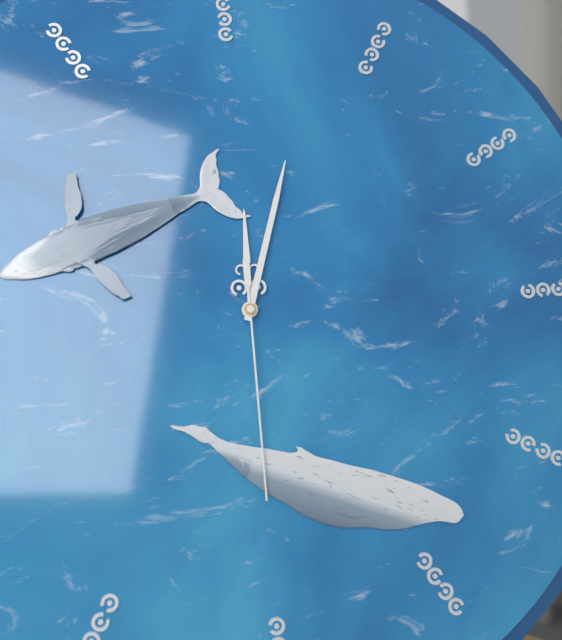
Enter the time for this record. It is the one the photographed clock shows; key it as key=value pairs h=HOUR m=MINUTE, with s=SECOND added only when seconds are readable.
h=12 m=3 s=30
